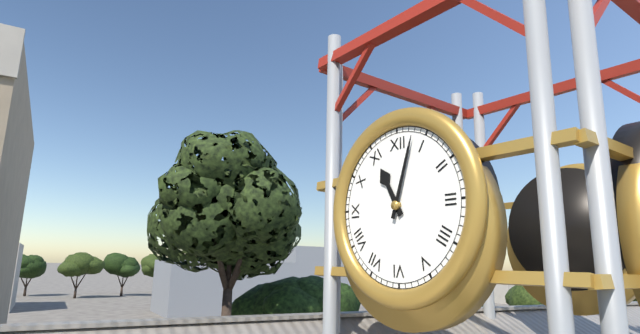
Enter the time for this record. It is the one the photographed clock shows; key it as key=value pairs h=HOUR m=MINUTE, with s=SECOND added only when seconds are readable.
h=11 m=3
